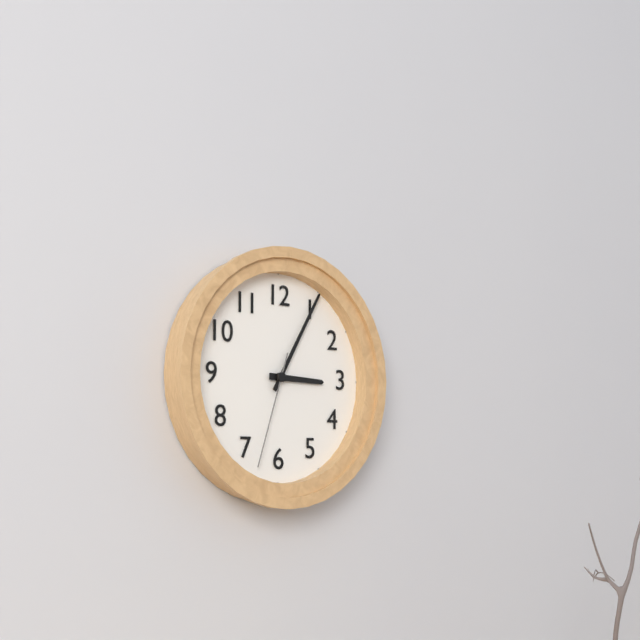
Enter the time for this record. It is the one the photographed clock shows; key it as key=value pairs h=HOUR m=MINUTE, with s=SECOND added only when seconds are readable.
h=3 m=5 s=33
